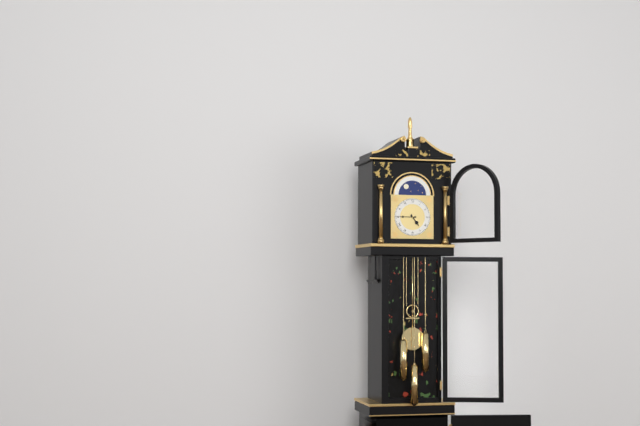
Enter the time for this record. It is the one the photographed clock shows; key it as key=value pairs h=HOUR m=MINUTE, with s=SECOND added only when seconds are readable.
h=4 m=45
